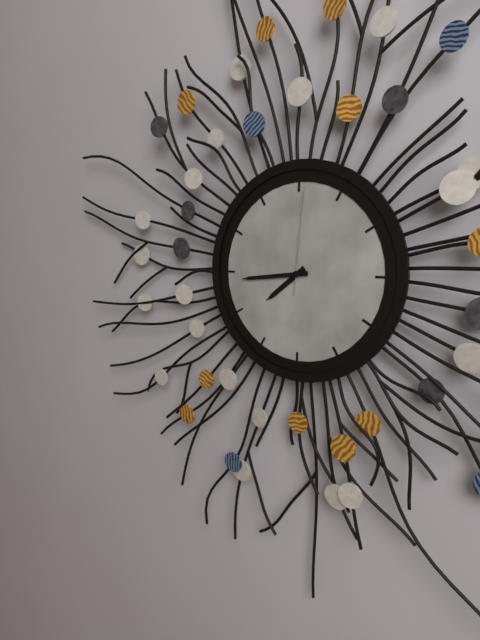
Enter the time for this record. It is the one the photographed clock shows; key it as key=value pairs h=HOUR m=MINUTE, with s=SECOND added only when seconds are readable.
h=7 m=44 s=1
